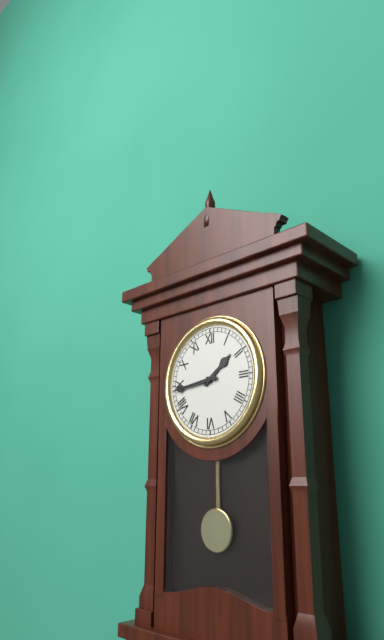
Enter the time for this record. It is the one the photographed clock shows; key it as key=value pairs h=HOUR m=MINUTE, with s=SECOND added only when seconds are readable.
h=1 m=44
